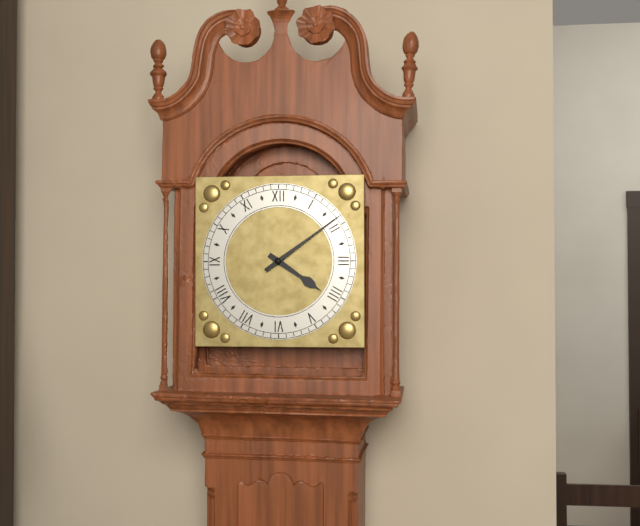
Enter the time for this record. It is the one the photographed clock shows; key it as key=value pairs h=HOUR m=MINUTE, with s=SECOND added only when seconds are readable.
h=4 m=9
